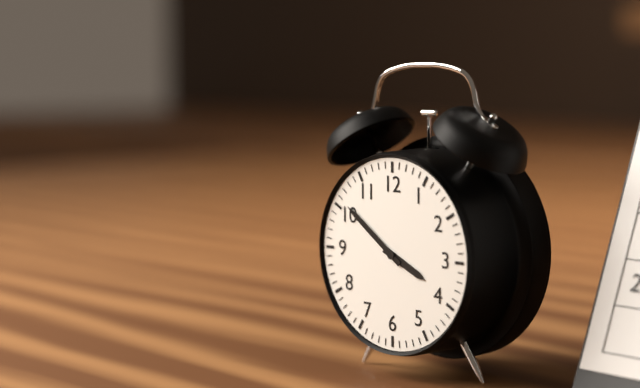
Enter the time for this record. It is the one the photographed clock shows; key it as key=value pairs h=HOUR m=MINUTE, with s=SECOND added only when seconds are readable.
h=3 m=51
